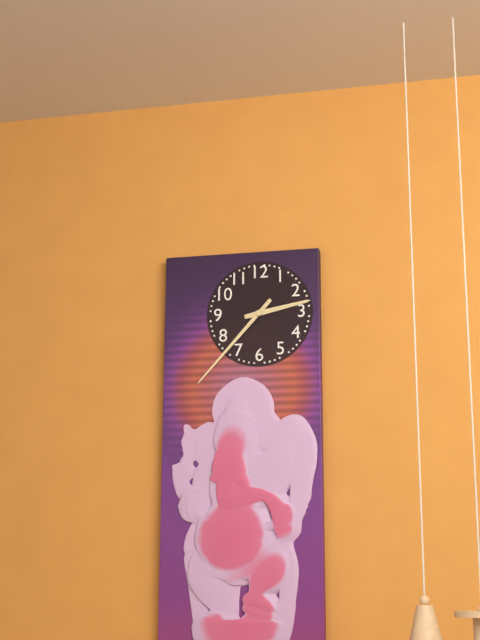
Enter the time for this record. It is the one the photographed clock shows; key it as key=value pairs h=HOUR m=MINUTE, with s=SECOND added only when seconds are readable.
h=2 m=37
